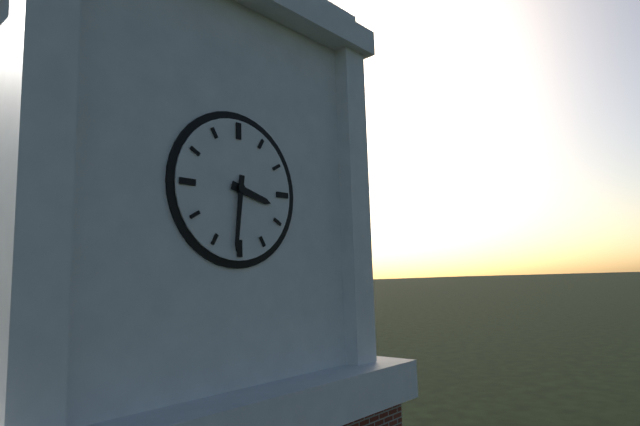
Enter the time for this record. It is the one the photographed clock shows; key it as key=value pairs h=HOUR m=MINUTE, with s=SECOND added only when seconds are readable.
h=3 m=31
